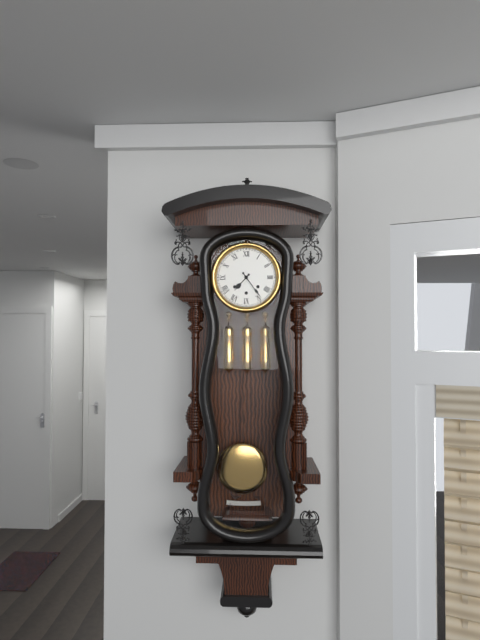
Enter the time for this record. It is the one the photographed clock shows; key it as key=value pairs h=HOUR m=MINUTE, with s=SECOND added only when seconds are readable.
h=7 m=24
